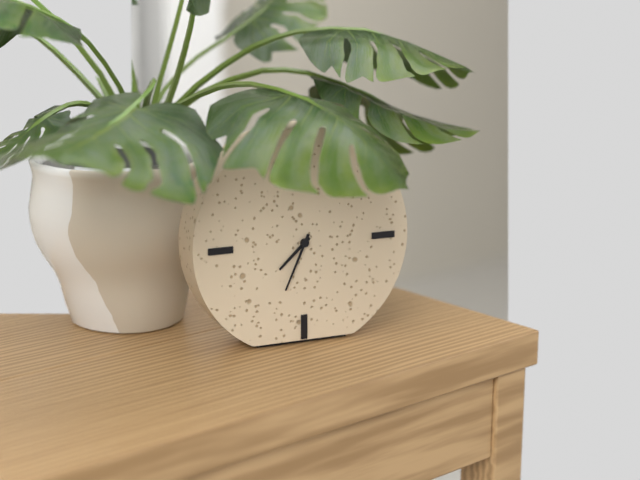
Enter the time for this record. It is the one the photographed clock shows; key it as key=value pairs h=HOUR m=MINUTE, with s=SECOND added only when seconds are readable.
h=7 m=34
